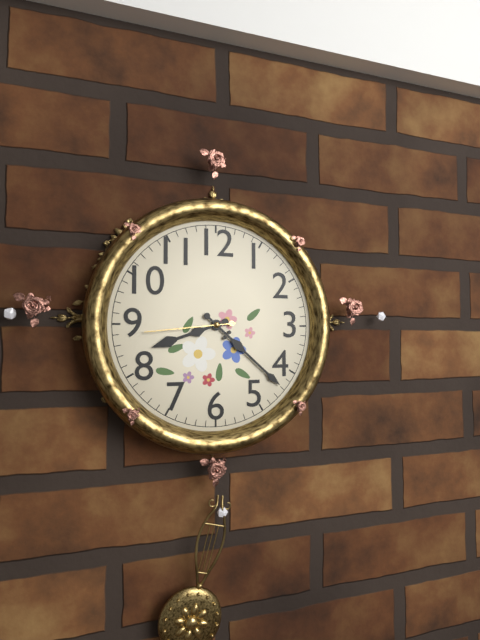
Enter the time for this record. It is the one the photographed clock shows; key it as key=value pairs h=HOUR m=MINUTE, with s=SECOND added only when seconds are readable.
h=8 m=22 s=44
